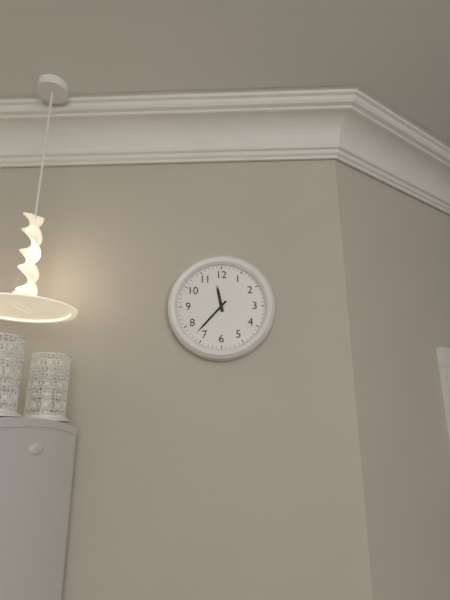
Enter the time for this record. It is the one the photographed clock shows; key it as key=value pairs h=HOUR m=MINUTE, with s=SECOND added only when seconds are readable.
h=11 m=37
